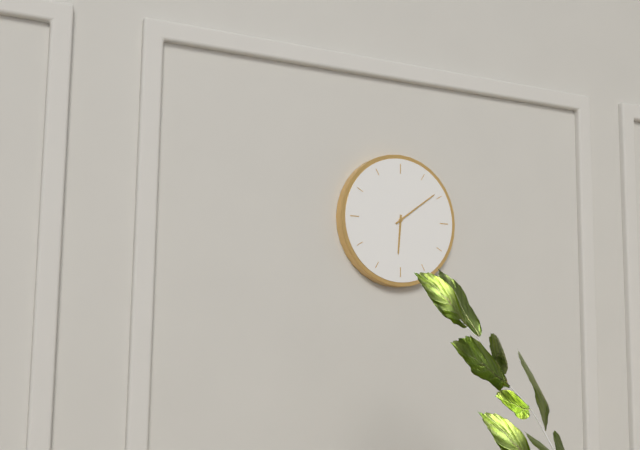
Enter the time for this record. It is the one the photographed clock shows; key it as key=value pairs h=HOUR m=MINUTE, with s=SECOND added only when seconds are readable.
h=6 m=9
